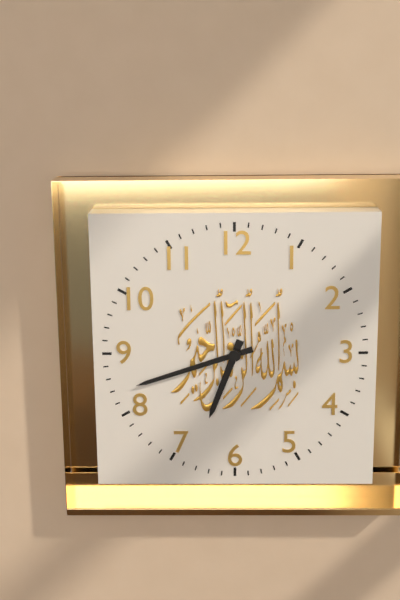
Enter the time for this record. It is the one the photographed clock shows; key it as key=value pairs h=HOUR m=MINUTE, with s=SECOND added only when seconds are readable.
h=6 m=42
